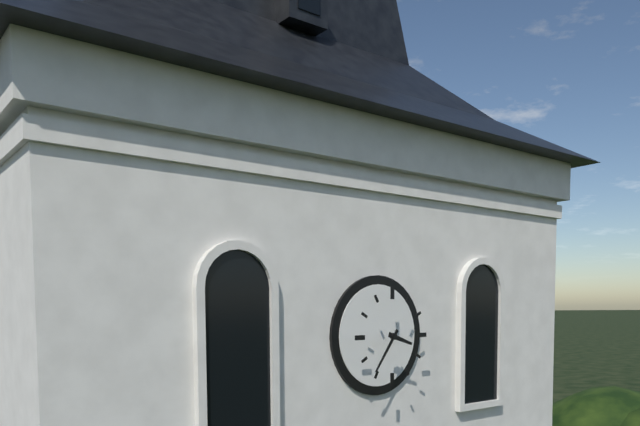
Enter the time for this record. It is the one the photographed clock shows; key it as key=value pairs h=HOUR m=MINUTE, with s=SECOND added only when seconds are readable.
h=3 m=36
